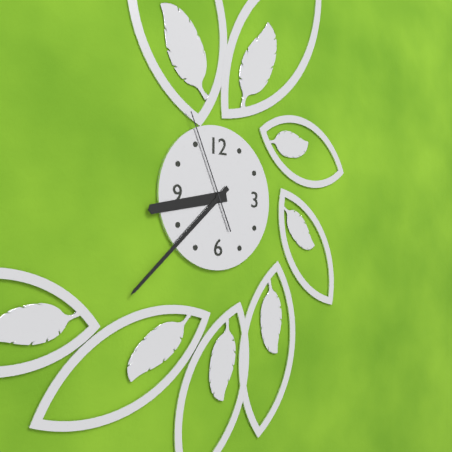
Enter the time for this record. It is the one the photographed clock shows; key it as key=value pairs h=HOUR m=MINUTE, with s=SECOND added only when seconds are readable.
h=8 m=38 s=56
